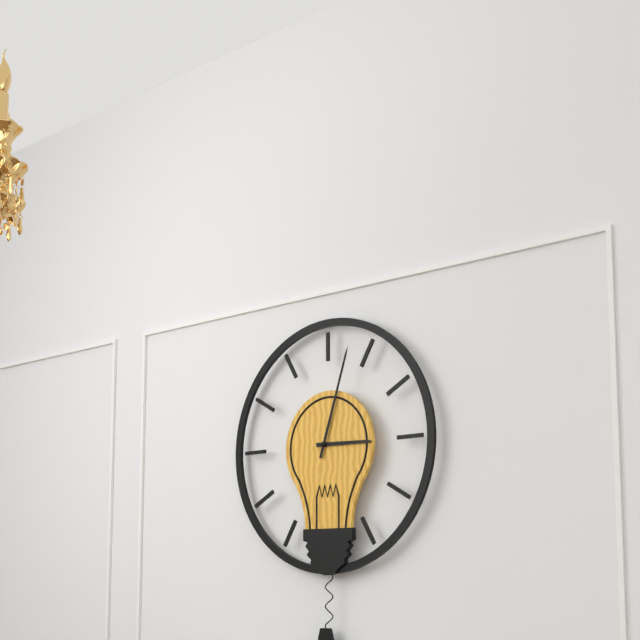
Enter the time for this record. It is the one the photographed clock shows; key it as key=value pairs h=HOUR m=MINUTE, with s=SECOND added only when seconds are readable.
h=3 m=3
